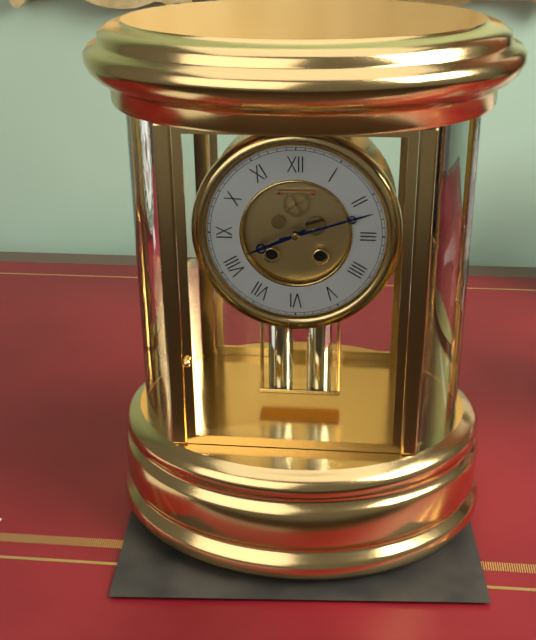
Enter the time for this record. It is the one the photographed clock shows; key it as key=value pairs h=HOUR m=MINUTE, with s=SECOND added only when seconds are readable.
h=8 m=12
